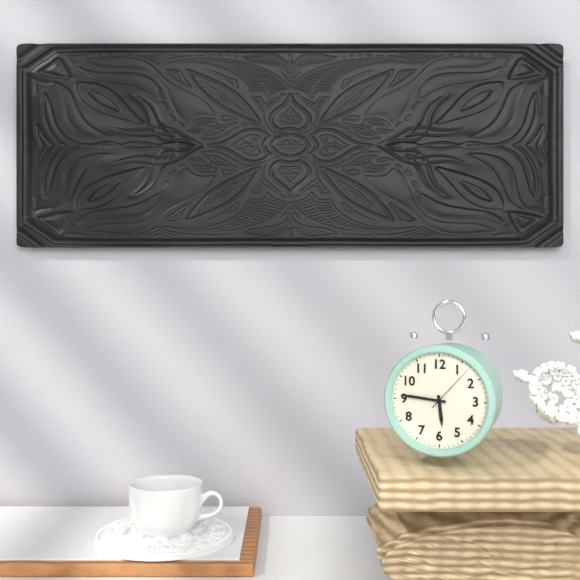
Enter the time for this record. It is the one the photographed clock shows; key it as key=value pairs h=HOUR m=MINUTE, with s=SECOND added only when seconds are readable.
h=5 m=46 s=7
